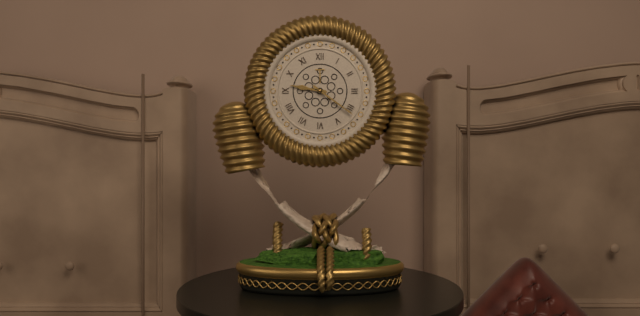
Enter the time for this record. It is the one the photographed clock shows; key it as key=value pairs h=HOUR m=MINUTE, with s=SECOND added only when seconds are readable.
h=9 m=21
